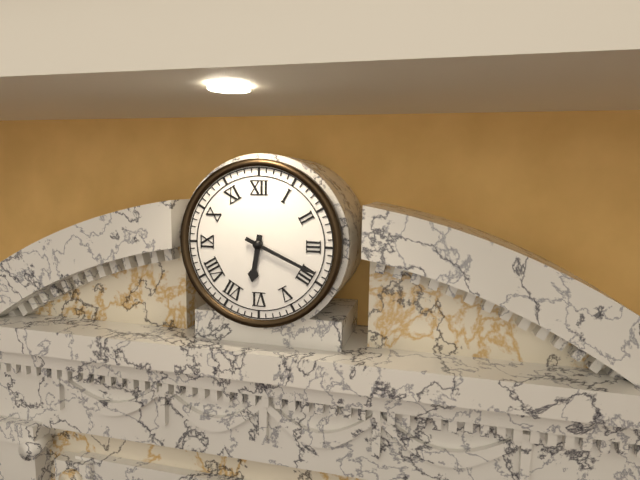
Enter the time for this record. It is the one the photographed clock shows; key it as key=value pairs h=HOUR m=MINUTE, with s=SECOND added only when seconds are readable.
h=6 m=19
